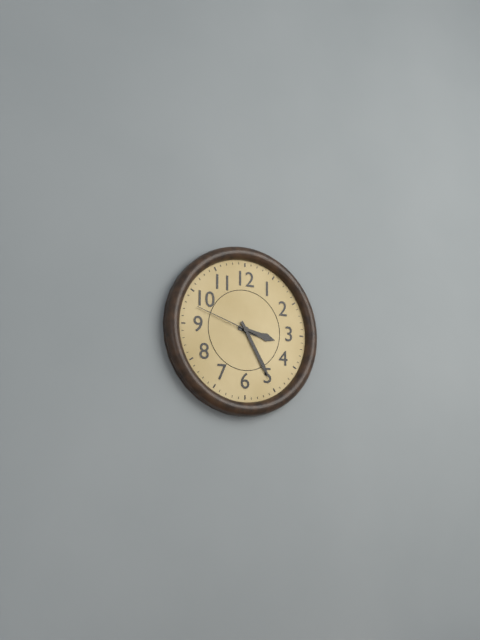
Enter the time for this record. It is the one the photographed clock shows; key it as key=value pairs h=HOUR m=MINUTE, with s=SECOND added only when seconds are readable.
h=3 m=25 s=48
